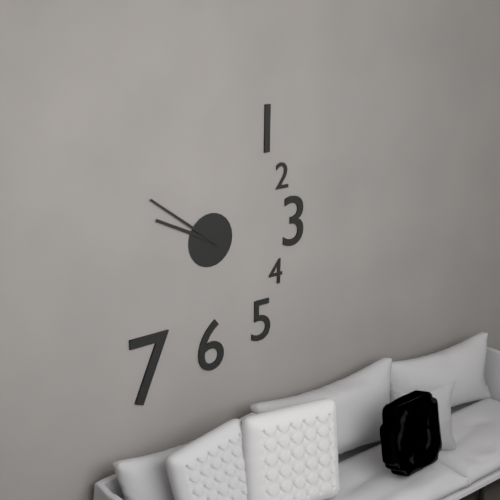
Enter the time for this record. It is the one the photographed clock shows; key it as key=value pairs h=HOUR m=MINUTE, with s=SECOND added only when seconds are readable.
h=9 m=51
